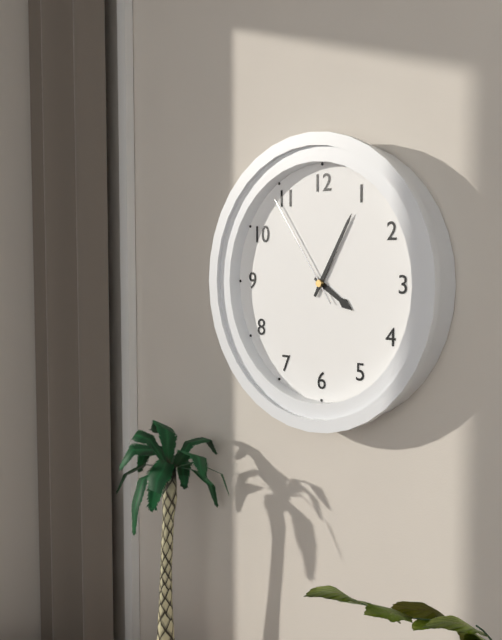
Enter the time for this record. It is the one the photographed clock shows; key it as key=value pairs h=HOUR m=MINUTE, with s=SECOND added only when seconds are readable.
h=4 m=5 s=54
